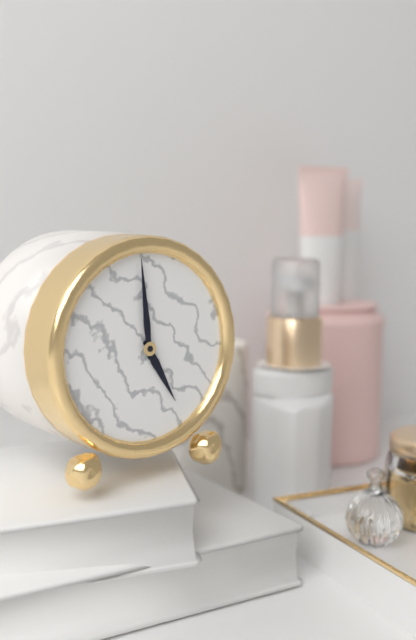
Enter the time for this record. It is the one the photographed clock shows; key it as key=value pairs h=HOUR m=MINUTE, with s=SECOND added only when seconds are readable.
h=4 m=59
